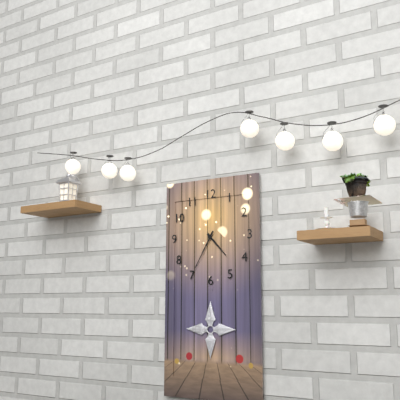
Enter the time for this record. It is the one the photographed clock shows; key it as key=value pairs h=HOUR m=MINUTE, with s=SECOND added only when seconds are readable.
h=4 m=35
